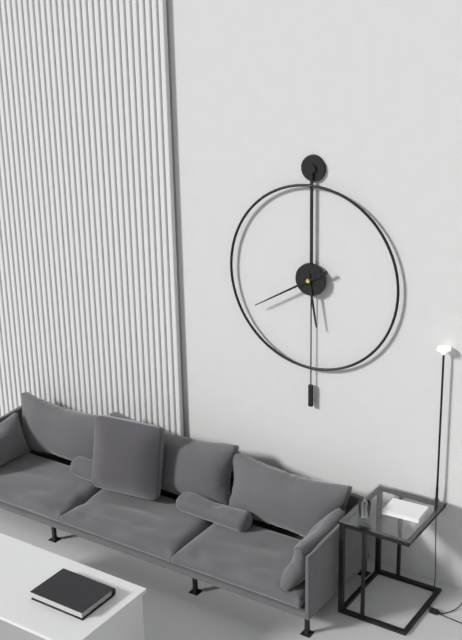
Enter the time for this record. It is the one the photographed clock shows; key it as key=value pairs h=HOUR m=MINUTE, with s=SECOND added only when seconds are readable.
h=5 m=40
